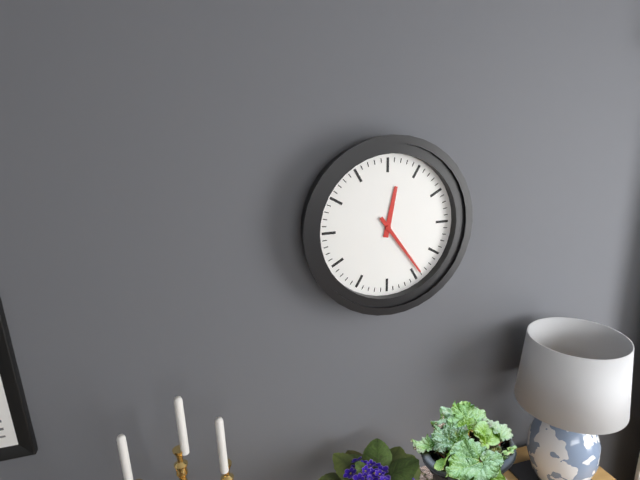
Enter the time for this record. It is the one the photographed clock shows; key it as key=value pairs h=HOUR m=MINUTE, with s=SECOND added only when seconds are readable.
h=12 m=24
